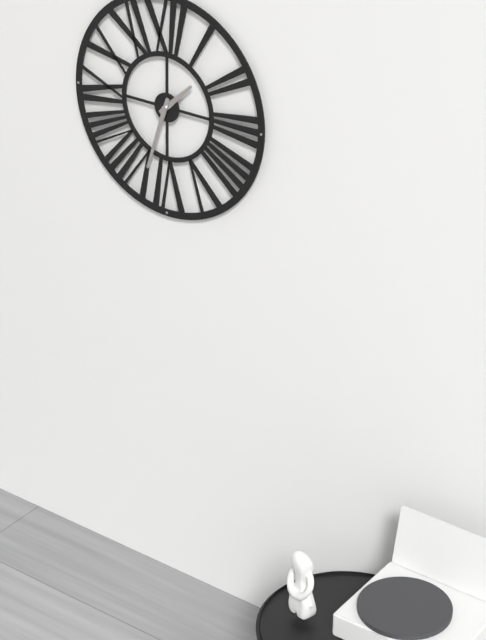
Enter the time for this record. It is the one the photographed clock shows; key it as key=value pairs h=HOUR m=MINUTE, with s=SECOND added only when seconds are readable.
h=1 m=33
